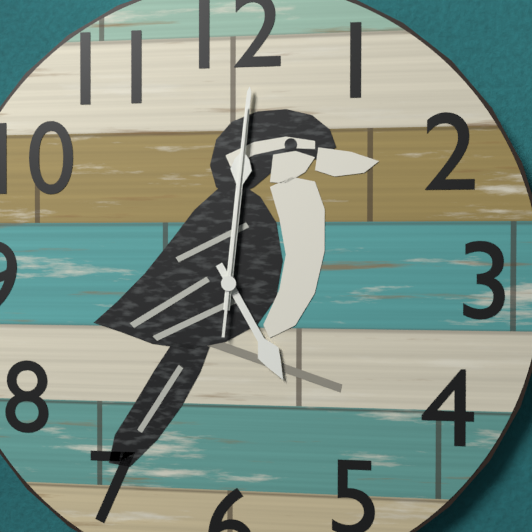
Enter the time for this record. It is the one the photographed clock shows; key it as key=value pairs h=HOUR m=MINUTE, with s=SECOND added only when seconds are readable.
h=5 m=1 s=1
